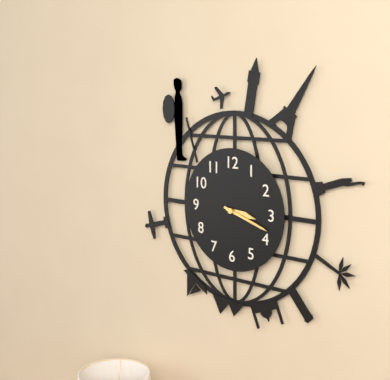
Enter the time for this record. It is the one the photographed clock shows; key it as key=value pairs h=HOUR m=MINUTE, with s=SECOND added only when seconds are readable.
h=3 m=18
